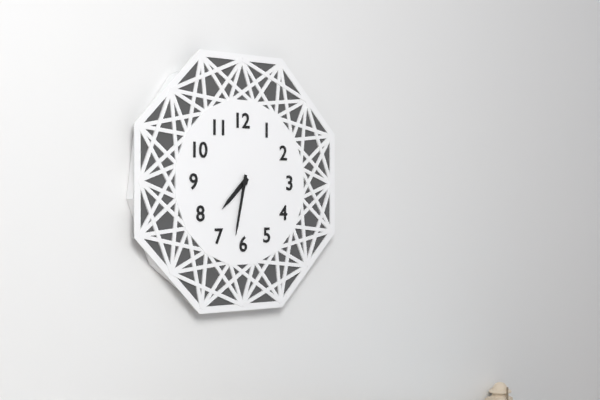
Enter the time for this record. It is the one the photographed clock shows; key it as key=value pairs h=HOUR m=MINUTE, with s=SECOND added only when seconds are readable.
h=7 m=32
